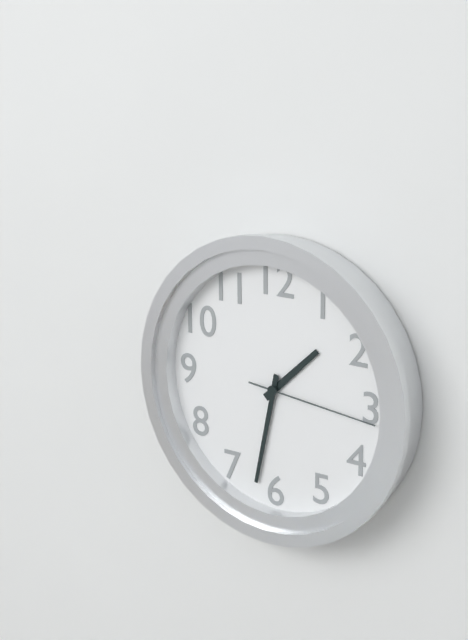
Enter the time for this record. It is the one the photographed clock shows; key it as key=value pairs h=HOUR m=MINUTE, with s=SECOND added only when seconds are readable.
h=1 m=32 s=16
